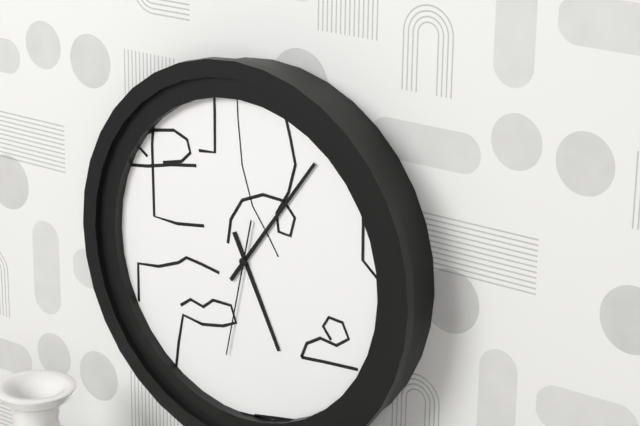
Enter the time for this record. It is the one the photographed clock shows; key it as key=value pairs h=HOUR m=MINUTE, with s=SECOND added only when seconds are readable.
h=5 m=6 s=32
